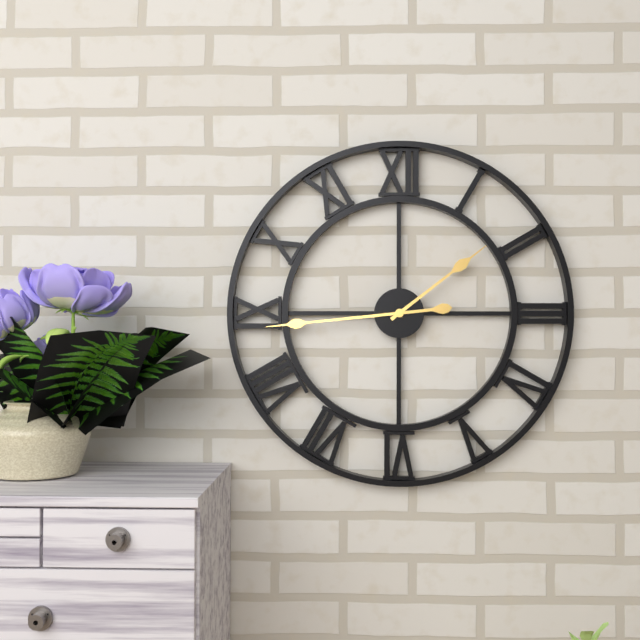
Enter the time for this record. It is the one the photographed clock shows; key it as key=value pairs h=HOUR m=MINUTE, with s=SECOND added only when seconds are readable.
h=1 m=44
